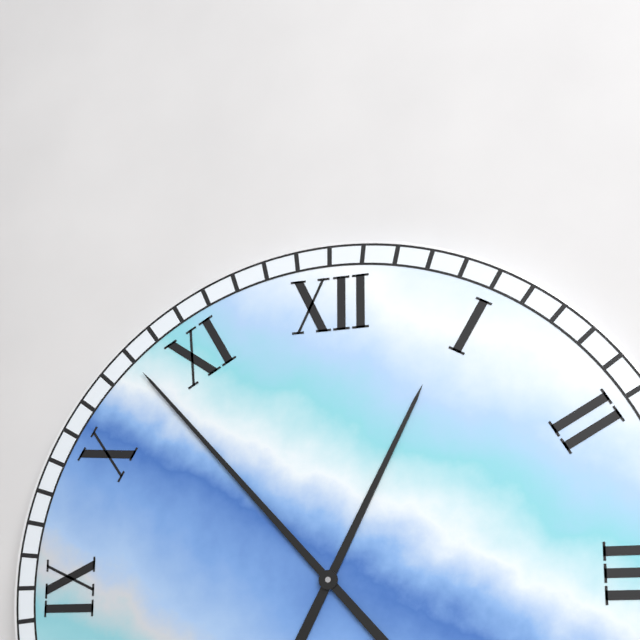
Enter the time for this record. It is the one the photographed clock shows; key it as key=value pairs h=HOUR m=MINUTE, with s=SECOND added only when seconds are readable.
h=12 m=53
